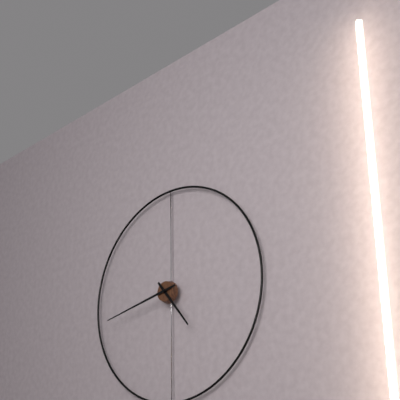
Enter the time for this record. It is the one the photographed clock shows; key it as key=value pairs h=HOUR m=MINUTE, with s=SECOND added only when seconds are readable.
h=4 m=43
